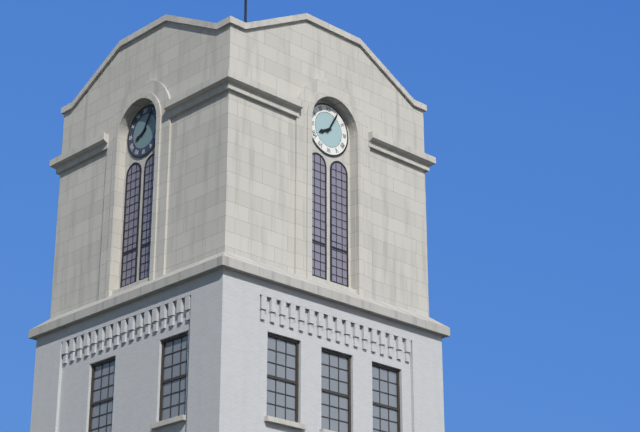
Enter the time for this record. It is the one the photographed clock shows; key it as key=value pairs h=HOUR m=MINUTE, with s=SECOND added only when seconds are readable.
h=8 m=5
